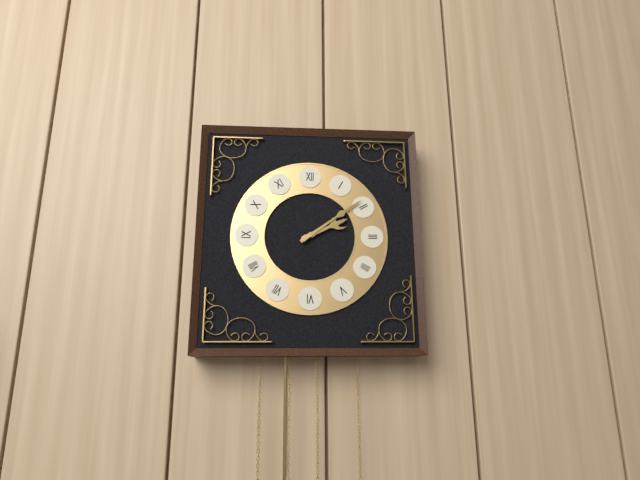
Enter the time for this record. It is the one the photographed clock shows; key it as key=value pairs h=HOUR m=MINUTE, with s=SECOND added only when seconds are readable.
h=2 m=9
